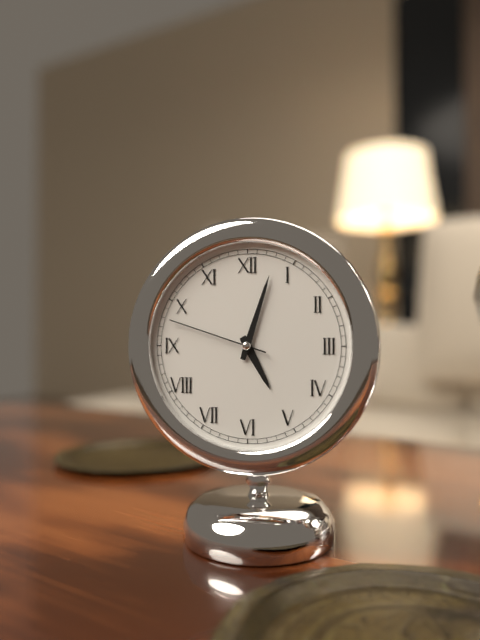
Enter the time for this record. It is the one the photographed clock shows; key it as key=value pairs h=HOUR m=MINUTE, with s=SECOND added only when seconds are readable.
h=5 m=3 s=48
